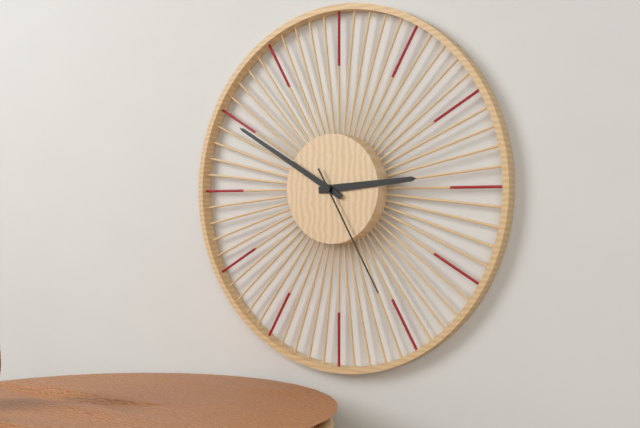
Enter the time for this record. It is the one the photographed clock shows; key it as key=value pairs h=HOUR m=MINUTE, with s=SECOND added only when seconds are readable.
h=2 m=50 s=25
